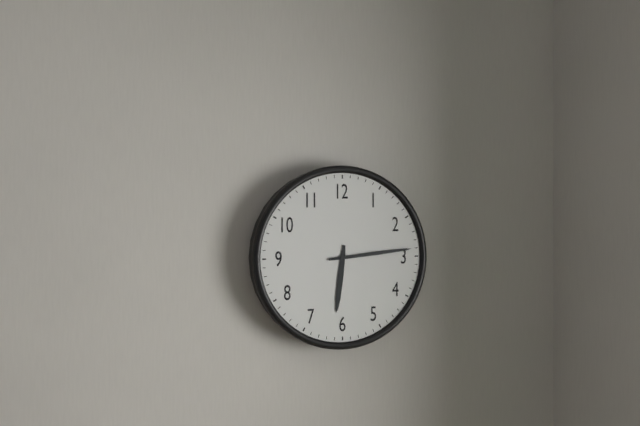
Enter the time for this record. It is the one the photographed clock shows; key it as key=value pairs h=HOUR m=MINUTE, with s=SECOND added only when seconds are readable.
h=6 m=14
